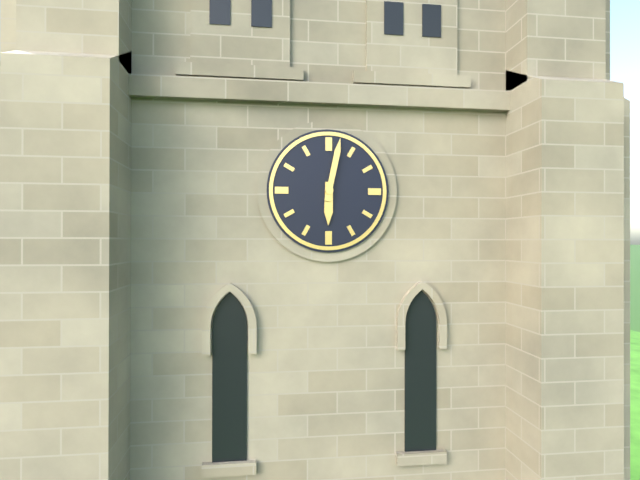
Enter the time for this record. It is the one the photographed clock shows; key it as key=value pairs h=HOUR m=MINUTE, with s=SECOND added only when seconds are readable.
h=6 m=2
